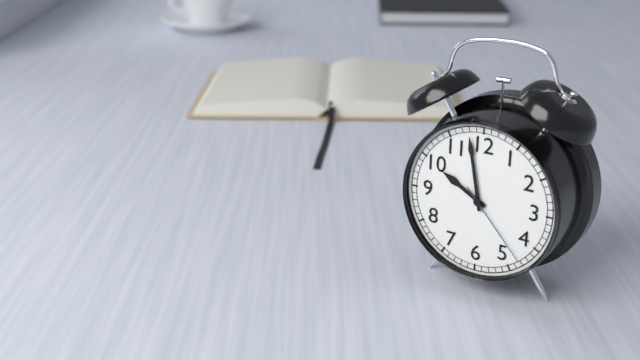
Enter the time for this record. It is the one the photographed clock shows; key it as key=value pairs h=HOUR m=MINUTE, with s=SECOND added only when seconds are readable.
h=9 m=58 s=23
